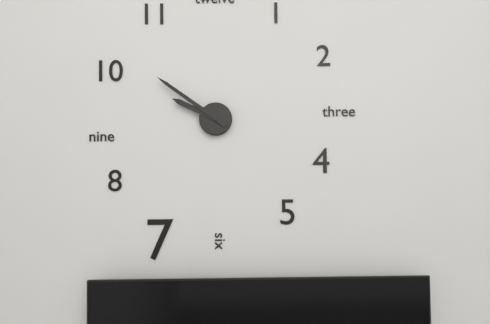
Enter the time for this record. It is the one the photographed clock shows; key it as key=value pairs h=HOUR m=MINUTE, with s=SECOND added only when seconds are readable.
h=9 m=51
